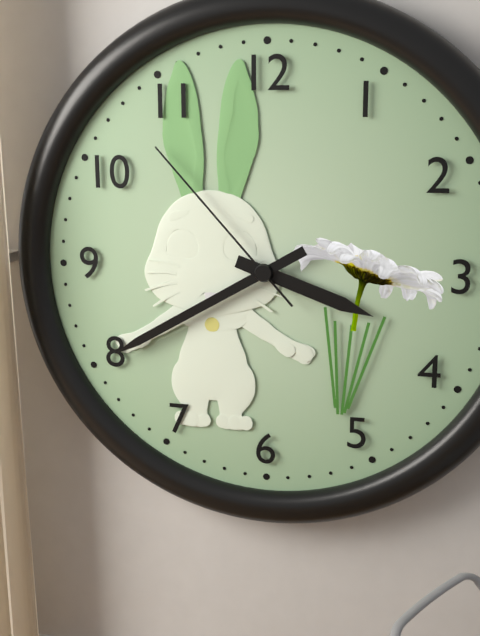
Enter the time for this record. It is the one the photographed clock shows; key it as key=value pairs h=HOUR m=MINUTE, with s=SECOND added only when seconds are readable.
h=3 m=40 s=53
